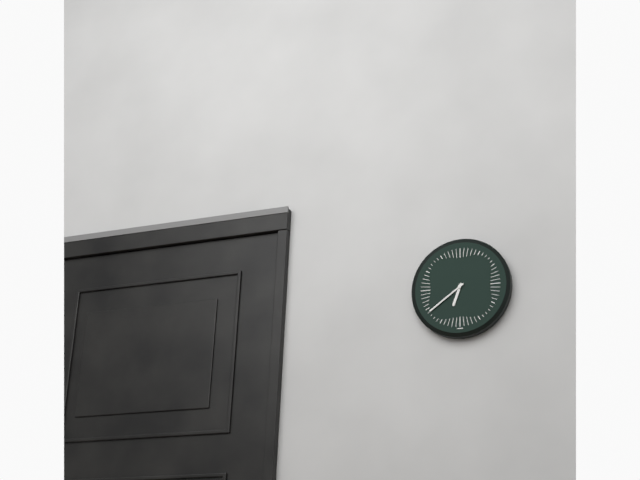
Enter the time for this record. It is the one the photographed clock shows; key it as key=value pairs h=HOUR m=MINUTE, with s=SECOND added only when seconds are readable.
h=6 m=39
